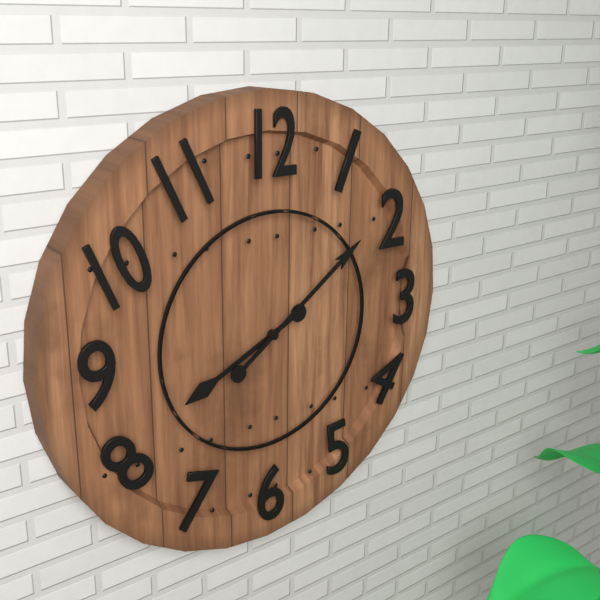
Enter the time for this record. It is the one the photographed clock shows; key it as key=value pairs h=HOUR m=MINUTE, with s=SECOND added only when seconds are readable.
h=8 m=9
